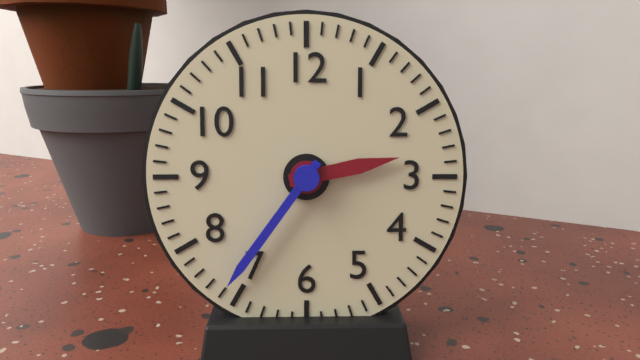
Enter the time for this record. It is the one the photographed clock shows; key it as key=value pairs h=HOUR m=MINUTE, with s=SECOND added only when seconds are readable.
h=2 m=36
